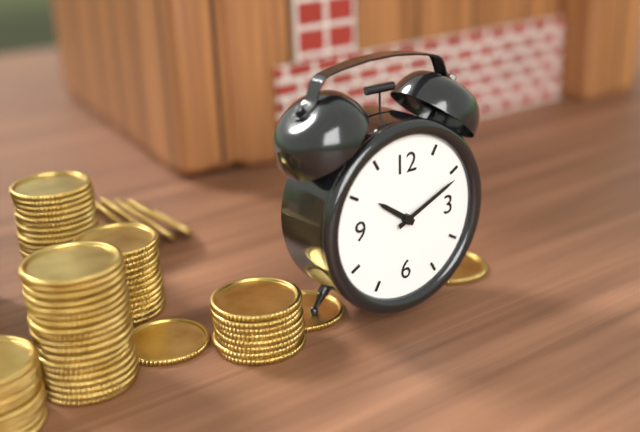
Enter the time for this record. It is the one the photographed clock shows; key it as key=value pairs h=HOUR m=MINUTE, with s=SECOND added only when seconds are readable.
h=10 m=11
